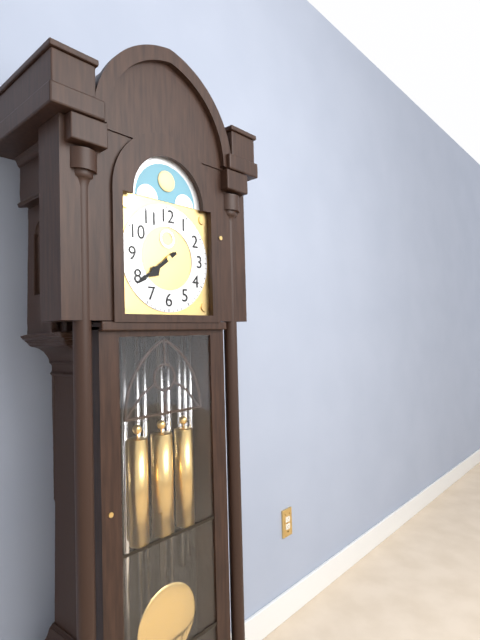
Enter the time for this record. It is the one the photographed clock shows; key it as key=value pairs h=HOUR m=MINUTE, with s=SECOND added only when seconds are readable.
h=7 m=39
